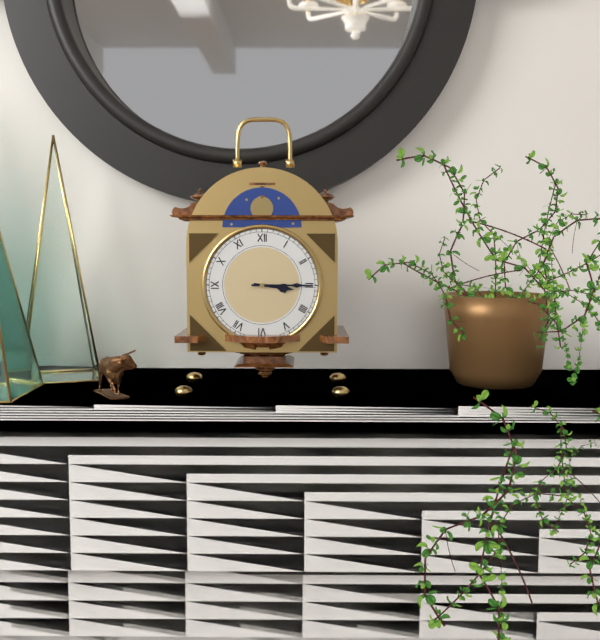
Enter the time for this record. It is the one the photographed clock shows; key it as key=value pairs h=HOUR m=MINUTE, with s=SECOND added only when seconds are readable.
h=3 m=15
